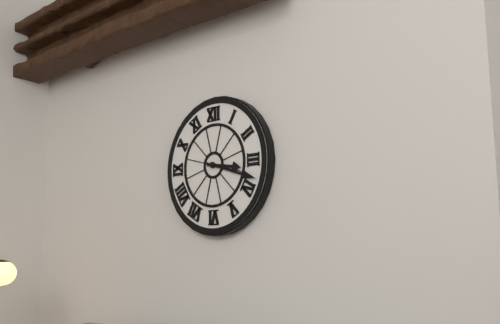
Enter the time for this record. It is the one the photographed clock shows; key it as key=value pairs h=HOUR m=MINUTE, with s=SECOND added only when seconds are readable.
h=3 m=18
